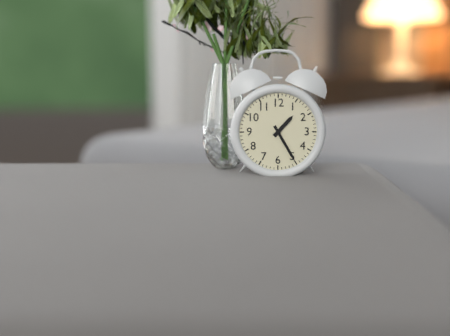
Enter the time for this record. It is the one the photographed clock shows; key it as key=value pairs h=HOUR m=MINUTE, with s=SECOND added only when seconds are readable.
h=1 m=25
